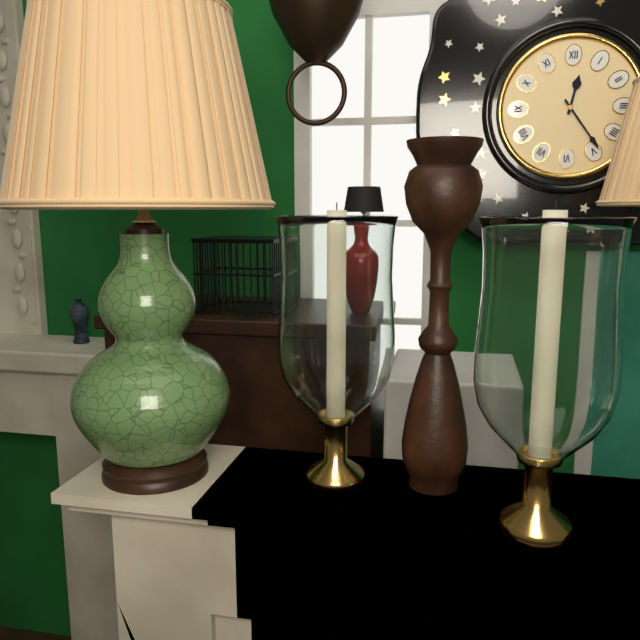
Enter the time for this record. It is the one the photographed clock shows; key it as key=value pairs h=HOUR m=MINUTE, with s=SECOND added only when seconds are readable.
h=12 m=24
